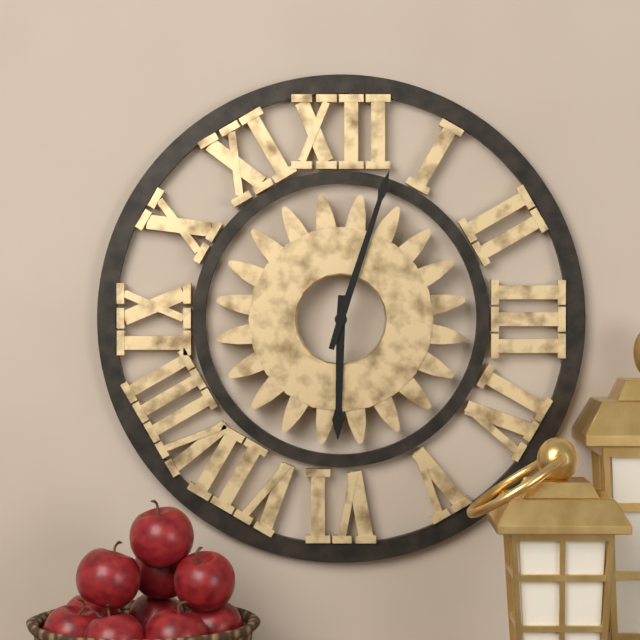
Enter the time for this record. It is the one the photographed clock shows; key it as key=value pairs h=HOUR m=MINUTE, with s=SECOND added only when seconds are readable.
h=6 m=3
